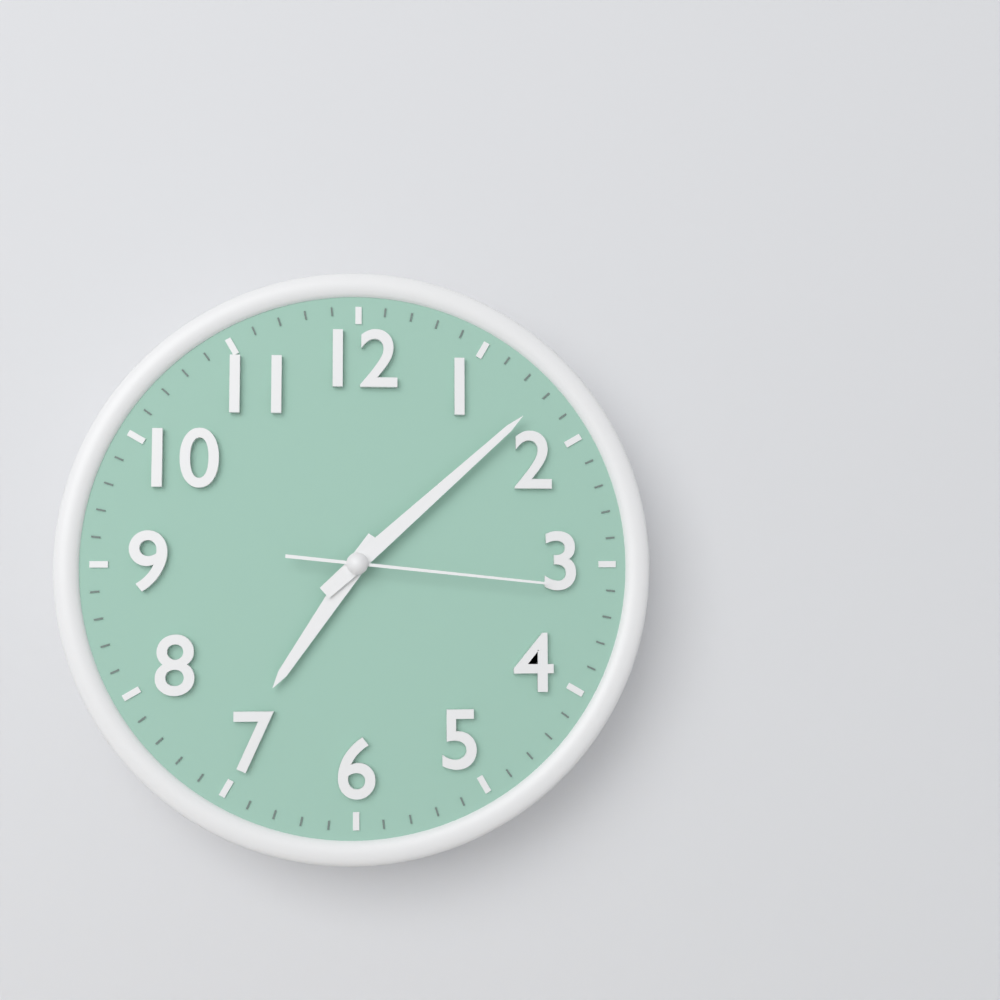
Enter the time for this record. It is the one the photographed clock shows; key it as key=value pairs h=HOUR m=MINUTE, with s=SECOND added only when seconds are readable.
h=7 m=8 s=16
